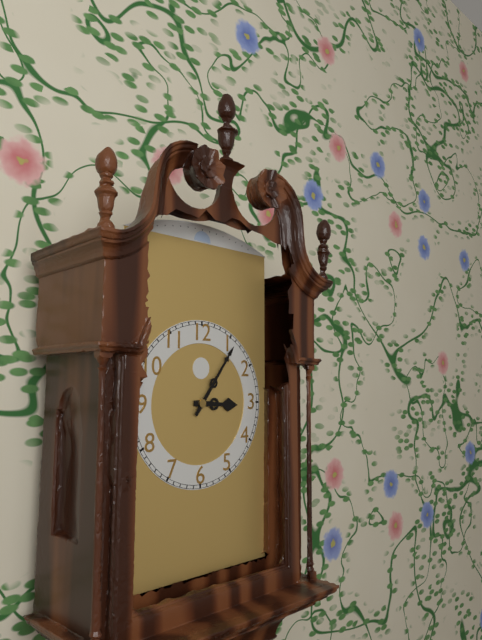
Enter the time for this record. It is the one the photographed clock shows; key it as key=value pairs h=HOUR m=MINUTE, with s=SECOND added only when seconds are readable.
h=3 m=6
